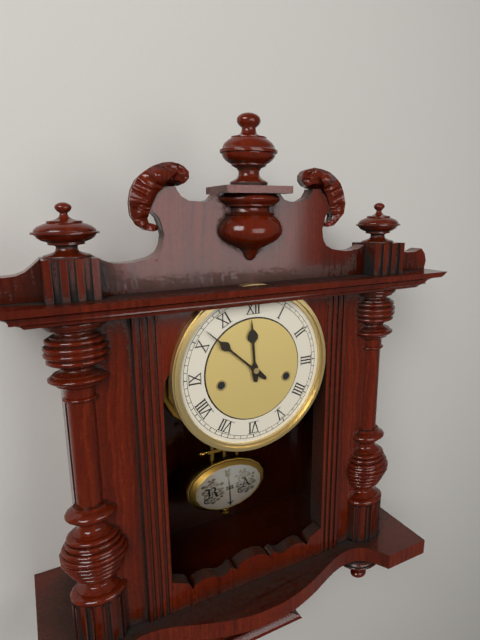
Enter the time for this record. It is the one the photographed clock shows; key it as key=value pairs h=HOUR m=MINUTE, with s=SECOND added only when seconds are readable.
h=11 m=52
